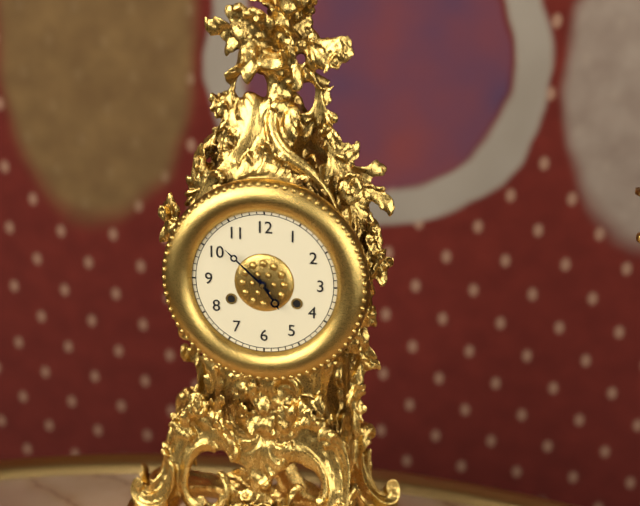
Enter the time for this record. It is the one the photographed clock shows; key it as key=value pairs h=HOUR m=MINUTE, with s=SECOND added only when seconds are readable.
h=4 m=52
